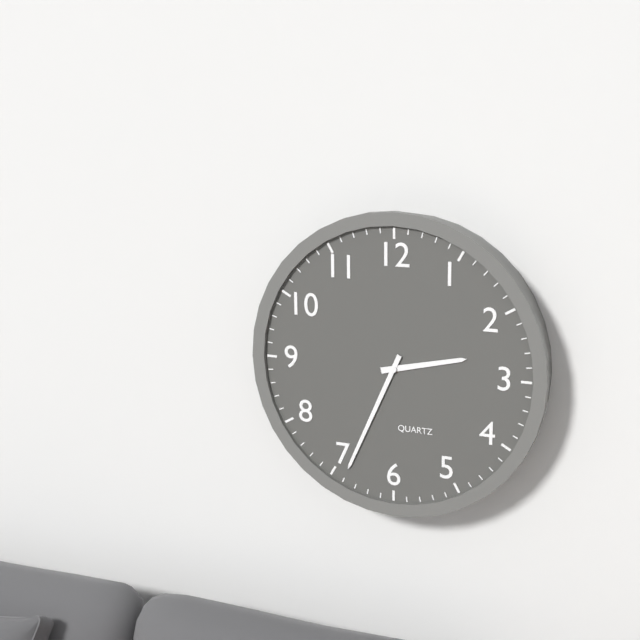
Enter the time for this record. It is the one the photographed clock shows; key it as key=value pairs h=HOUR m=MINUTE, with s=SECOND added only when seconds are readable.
h=2 m=34
